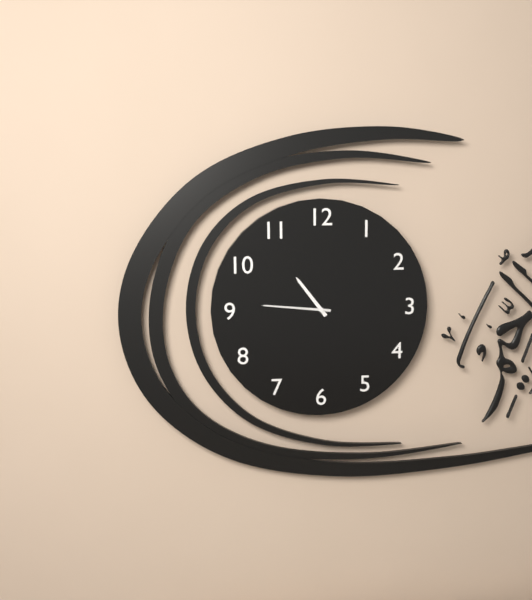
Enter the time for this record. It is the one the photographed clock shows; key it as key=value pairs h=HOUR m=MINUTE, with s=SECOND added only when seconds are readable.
h=10 m=46
